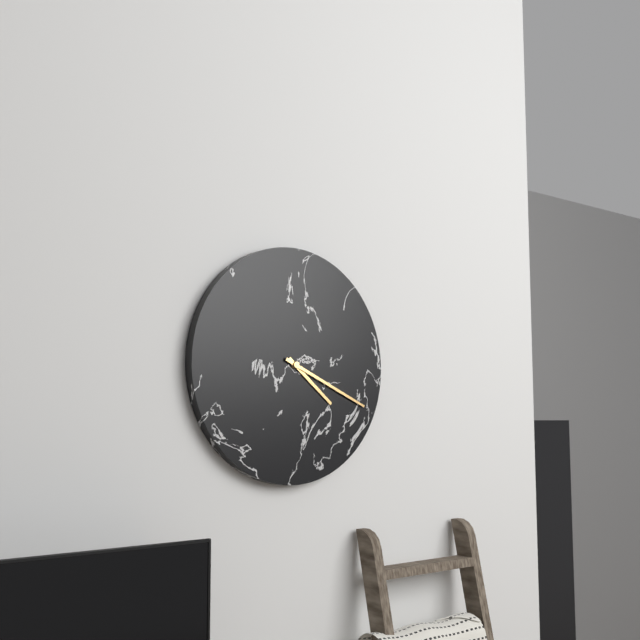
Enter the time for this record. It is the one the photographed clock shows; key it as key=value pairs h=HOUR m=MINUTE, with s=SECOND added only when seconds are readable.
h=4 m=19
